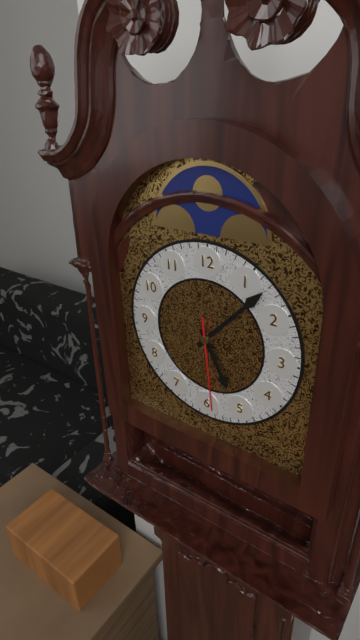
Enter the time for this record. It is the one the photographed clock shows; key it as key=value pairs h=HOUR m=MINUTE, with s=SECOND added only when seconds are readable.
h=5 m=7 s=29
